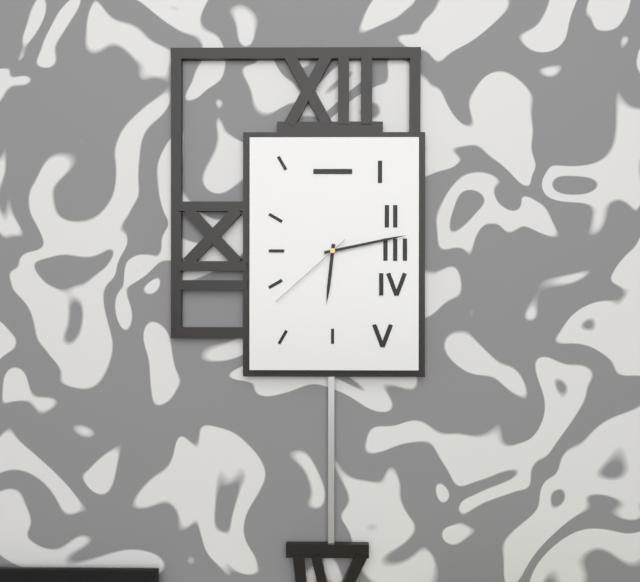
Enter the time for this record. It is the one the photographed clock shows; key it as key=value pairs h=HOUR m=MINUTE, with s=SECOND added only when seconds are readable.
h=6 m=13 s=38
